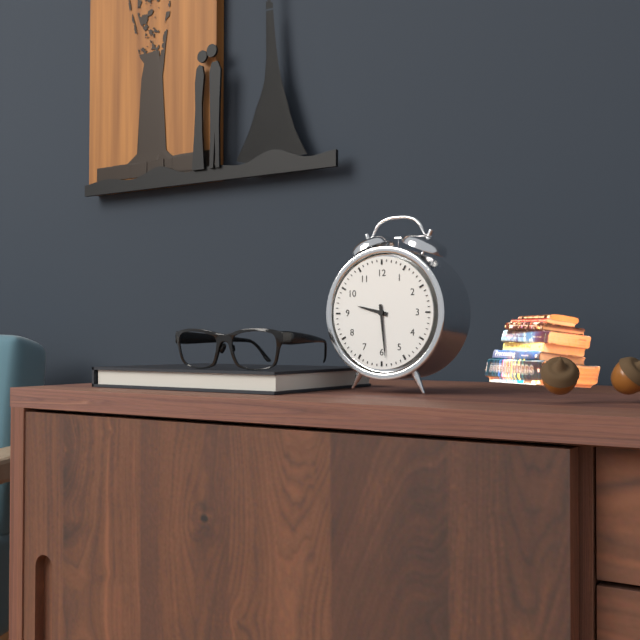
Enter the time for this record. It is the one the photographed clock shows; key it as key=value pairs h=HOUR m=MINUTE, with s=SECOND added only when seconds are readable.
h=9 m=29
